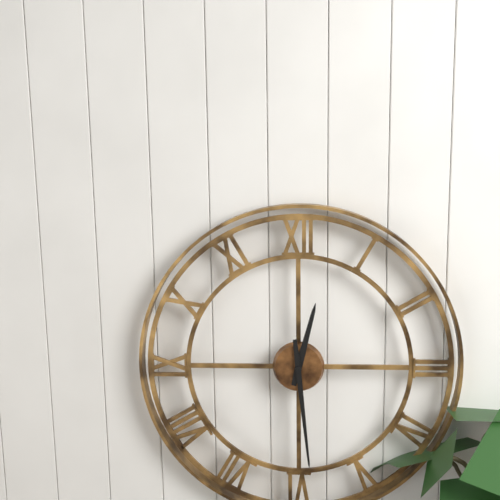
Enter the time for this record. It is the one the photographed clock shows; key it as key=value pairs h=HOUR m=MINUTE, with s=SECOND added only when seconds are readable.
h=12 m=29
